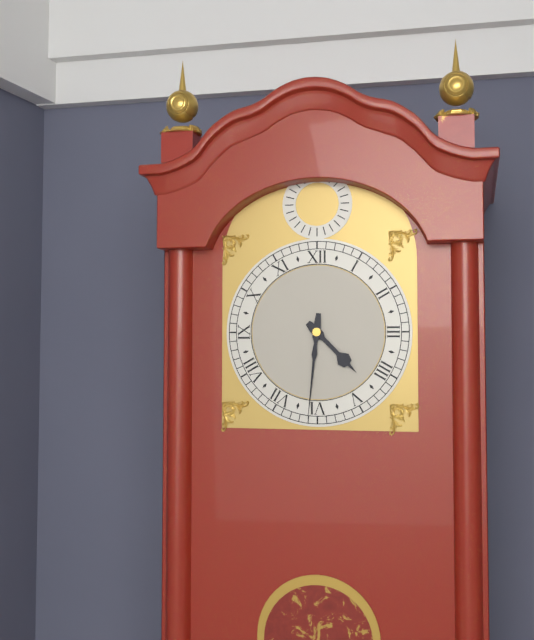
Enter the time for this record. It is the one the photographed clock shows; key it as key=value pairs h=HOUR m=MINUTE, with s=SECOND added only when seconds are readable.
h=4 m=31
